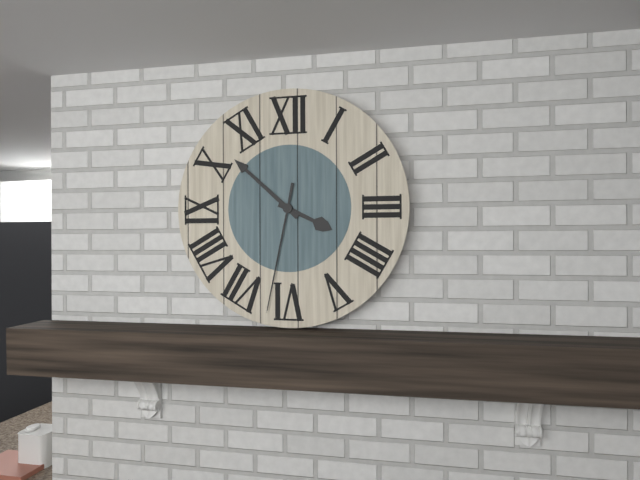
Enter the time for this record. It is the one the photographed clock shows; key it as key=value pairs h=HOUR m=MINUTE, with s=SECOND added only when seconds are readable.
h=3 m=52 s=32
